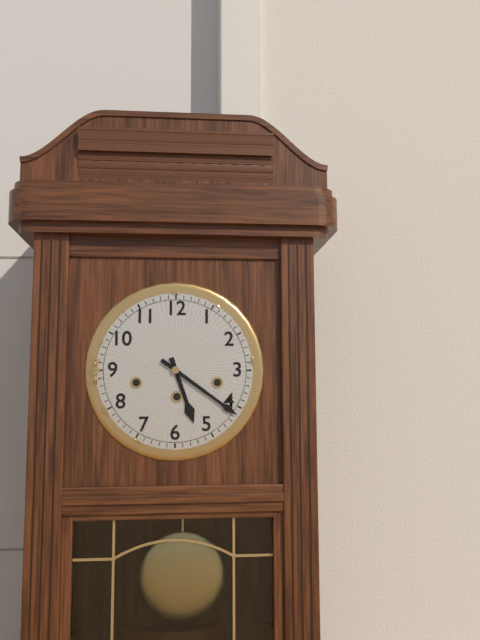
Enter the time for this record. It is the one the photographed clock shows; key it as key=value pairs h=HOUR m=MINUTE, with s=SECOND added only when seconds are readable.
h=5 m=21
